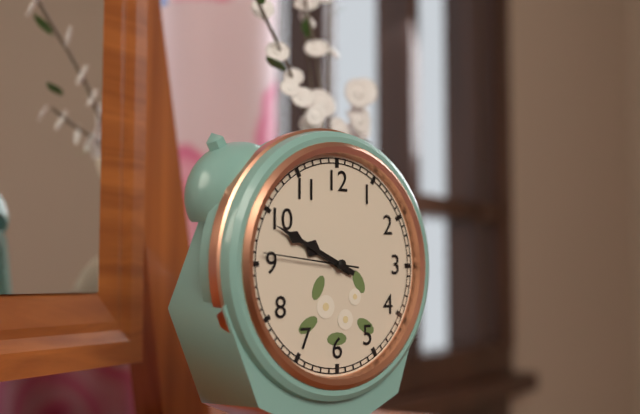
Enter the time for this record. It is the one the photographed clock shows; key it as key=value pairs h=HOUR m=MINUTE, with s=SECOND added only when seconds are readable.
h=9 m=49 s=46
